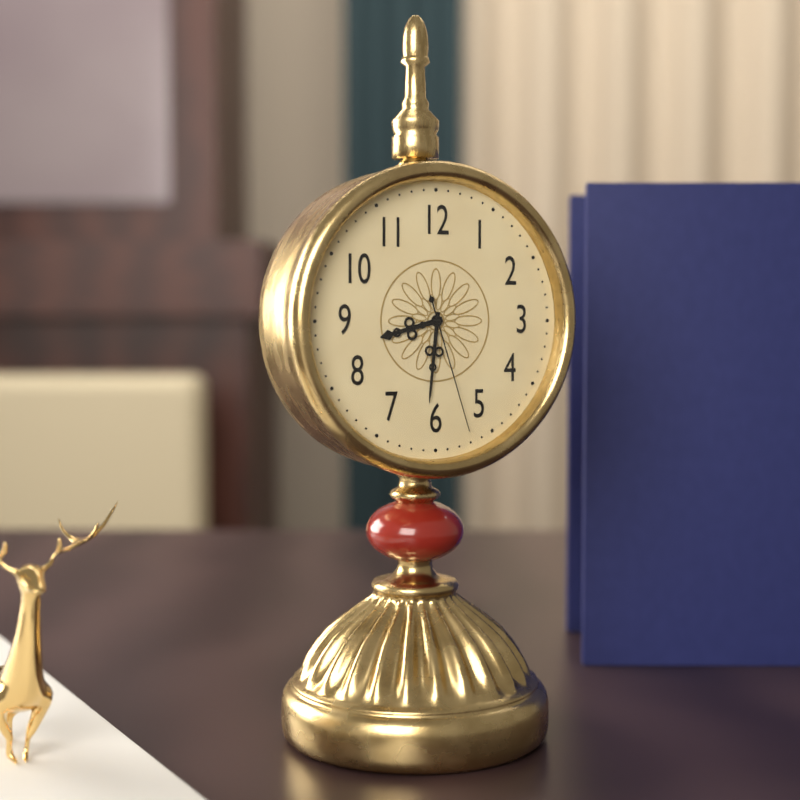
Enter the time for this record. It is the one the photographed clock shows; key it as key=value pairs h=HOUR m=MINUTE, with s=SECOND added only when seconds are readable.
h=8 m=31 s=27
